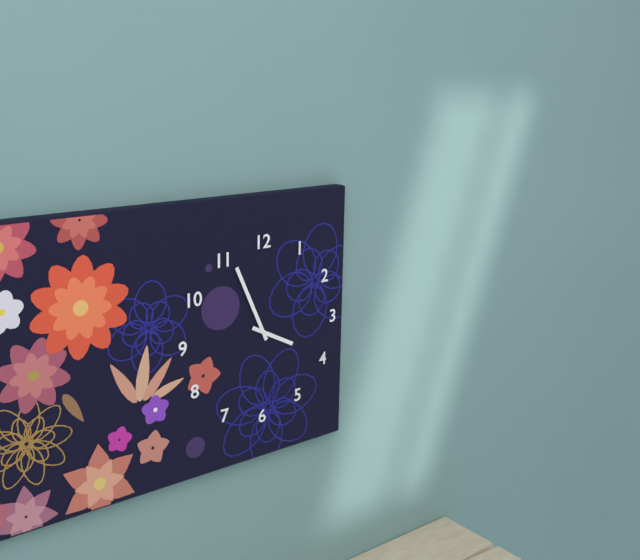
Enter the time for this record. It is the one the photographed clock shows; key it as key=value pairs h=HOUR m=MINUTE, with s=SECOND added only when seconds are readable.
h=3 m=56
